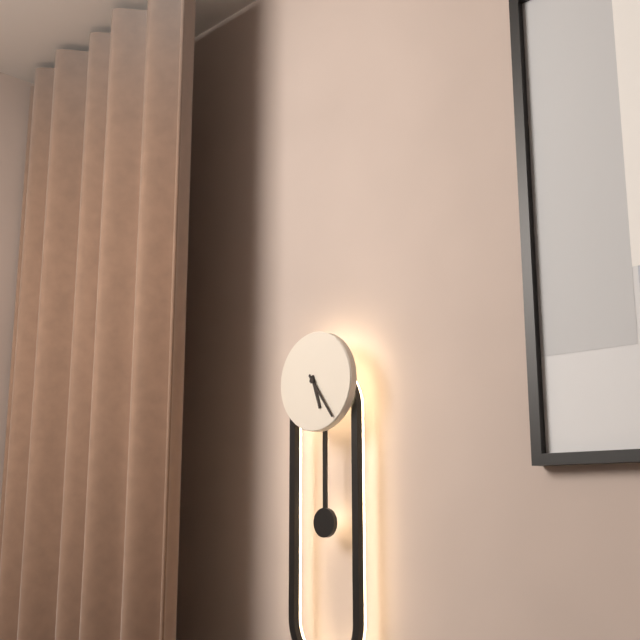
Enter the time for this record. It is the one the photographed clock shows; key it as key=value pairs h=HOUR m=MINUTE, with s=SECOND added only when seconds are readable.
h=5 m=24
